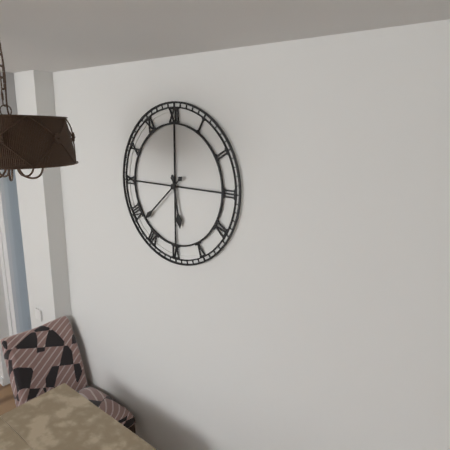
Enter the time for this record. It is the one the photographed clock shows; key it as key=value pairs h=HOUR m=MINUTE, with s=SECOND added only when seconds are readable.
h=5 m=38
